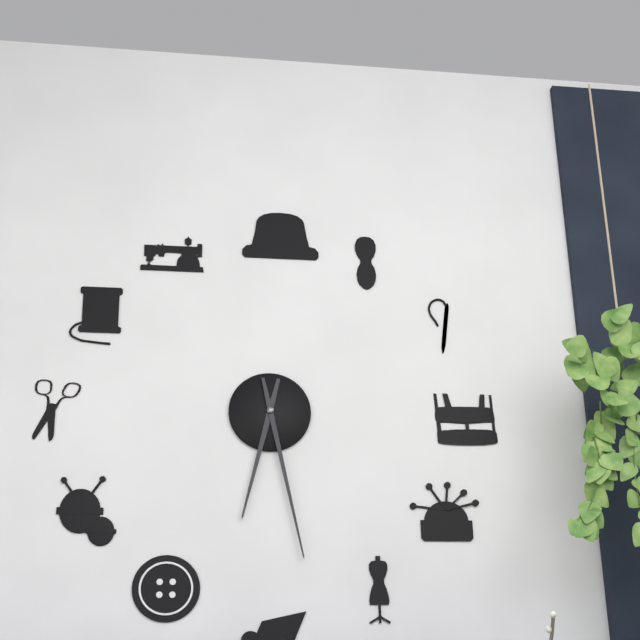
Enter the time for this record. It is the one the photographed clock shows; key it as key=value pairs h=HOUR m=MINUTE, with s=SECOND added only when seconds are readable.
h=6 m=28
